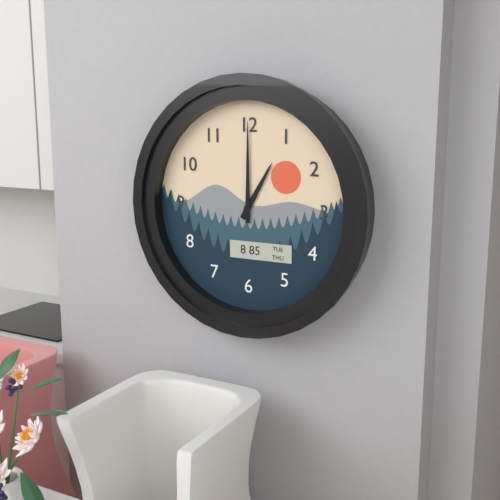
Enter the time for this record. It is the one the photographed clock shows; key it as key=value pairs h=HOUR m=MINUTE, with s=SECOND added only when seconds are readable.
h=1 m=0
